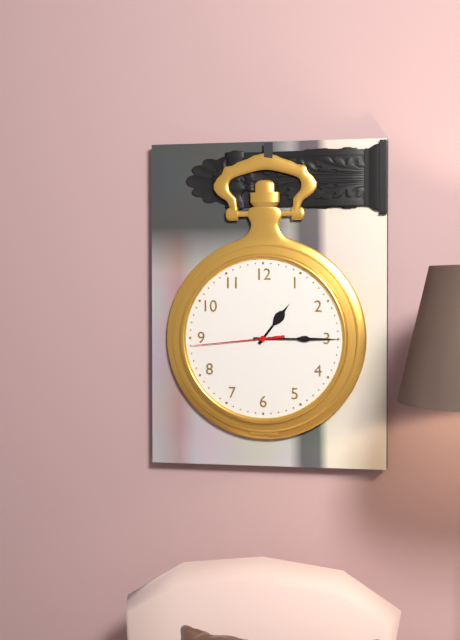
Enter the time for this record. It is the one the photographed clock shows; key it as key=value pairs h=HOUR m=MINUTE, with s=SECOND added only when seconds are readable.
h=1 m=15 s=44
